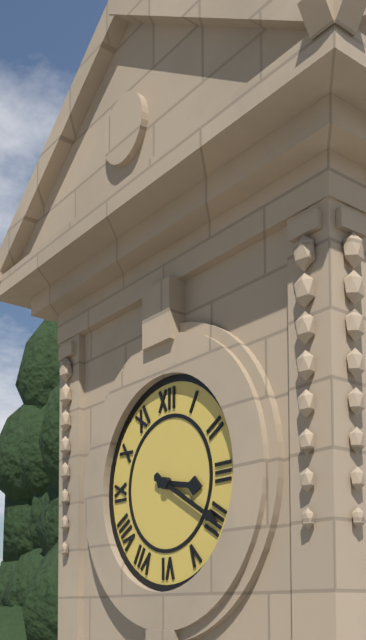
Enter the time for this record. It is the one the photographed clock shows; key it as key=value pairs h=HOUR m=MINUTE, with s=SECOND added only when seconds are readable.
h=3 m=20
